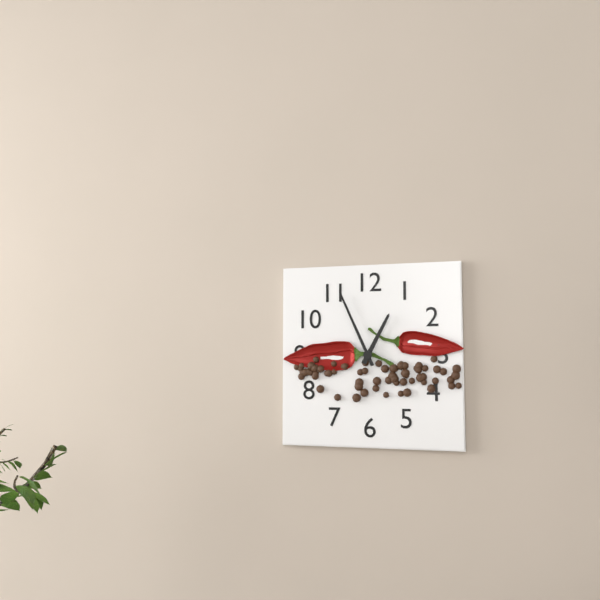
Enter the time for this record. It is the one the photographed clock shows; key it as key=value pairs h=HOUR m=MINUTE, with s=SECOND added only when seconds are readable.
h=12 m=56
